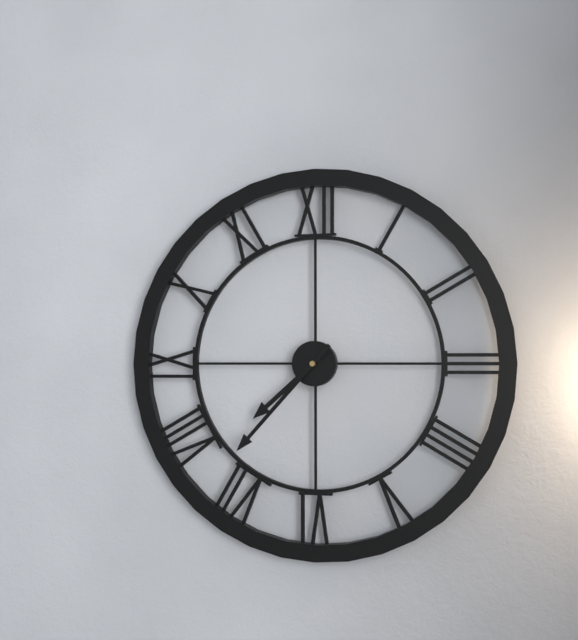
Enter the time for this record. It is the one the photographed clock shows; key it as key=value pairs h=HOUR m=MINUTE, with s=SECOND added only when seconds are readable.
h=7 m=37
